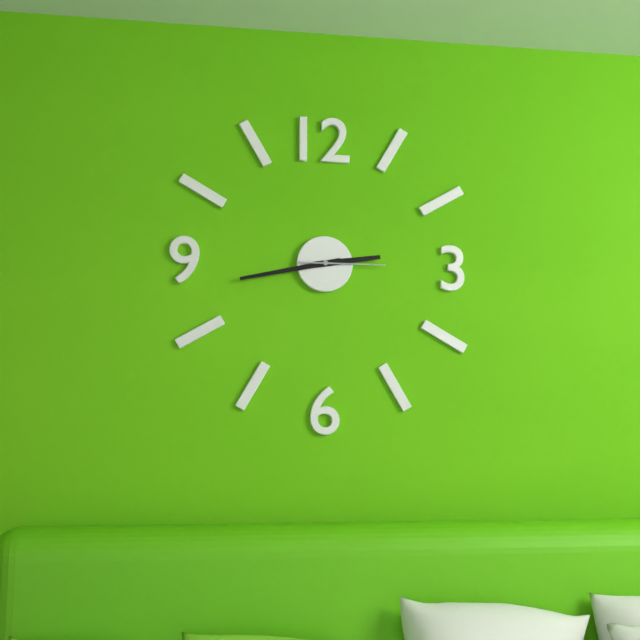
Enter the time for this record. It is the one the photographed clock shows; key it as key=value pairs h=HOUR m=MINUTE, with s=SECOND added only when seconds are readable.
h=2 m=43 s=15
